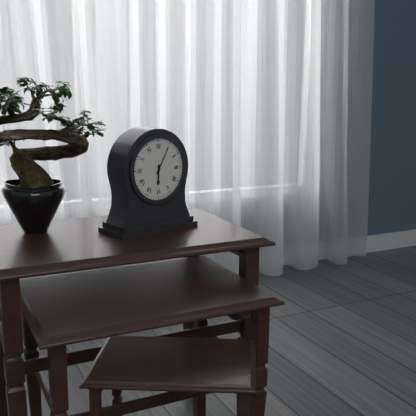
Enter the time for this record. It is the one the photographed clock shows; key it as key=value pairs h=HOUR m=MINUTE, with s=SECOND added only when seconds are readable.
h=6 m=5
